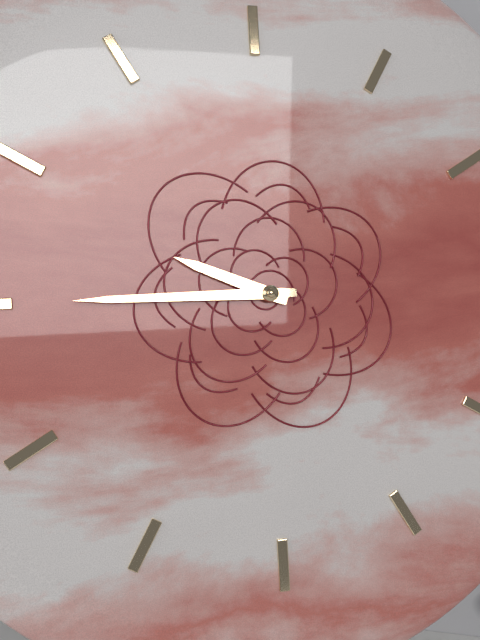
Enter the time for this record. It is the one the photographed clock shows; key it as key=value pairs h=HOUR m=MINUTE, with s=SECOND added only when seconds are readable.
h=9 m=45
